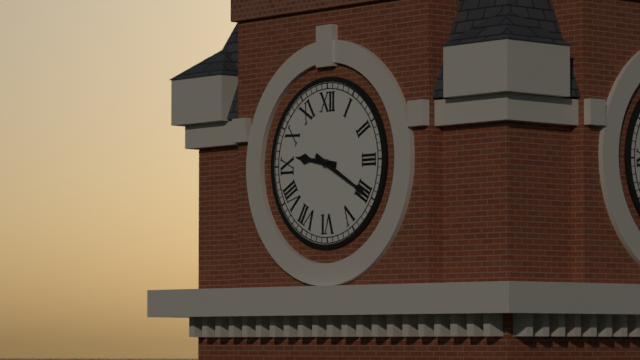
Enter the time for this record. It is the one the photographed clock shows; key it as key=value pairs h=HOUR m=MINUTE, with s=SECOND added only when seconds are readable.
h=9 m=20
